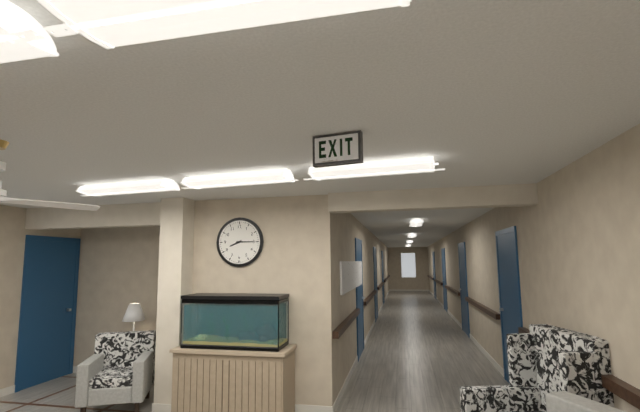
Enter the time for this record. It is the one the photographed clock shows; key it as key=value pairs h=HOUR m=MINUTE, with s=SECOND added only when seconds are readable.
h=8 m=15
